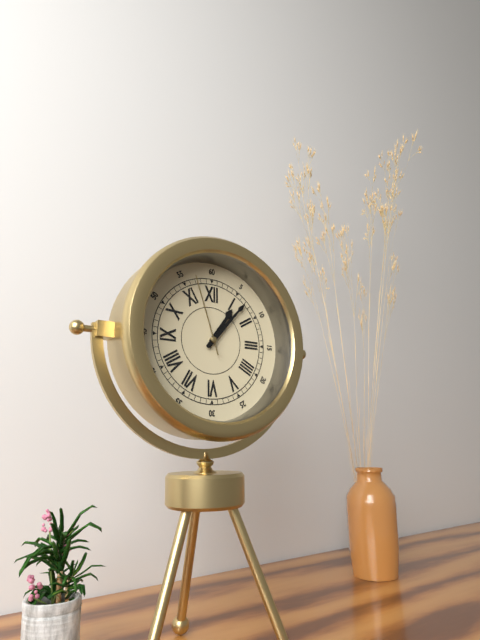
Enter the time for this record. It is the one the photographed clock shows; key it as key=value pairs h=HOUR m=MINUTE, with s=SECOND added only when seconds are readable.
h=1 m=7 s=57
